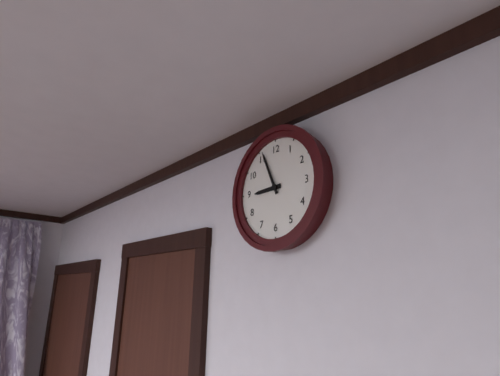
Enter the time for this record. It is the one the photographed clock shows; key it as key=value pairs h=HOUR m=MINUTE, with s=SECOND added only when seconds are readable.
h=8 m=56
